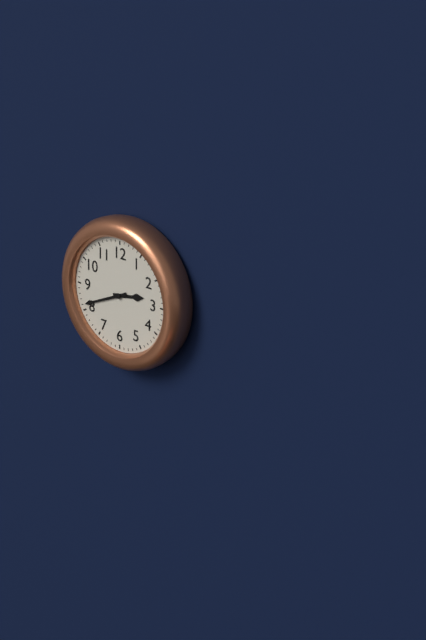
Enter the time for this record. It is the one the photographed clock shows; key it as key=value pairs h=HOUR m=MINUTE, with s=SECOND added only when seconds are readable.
h=2 m=41
